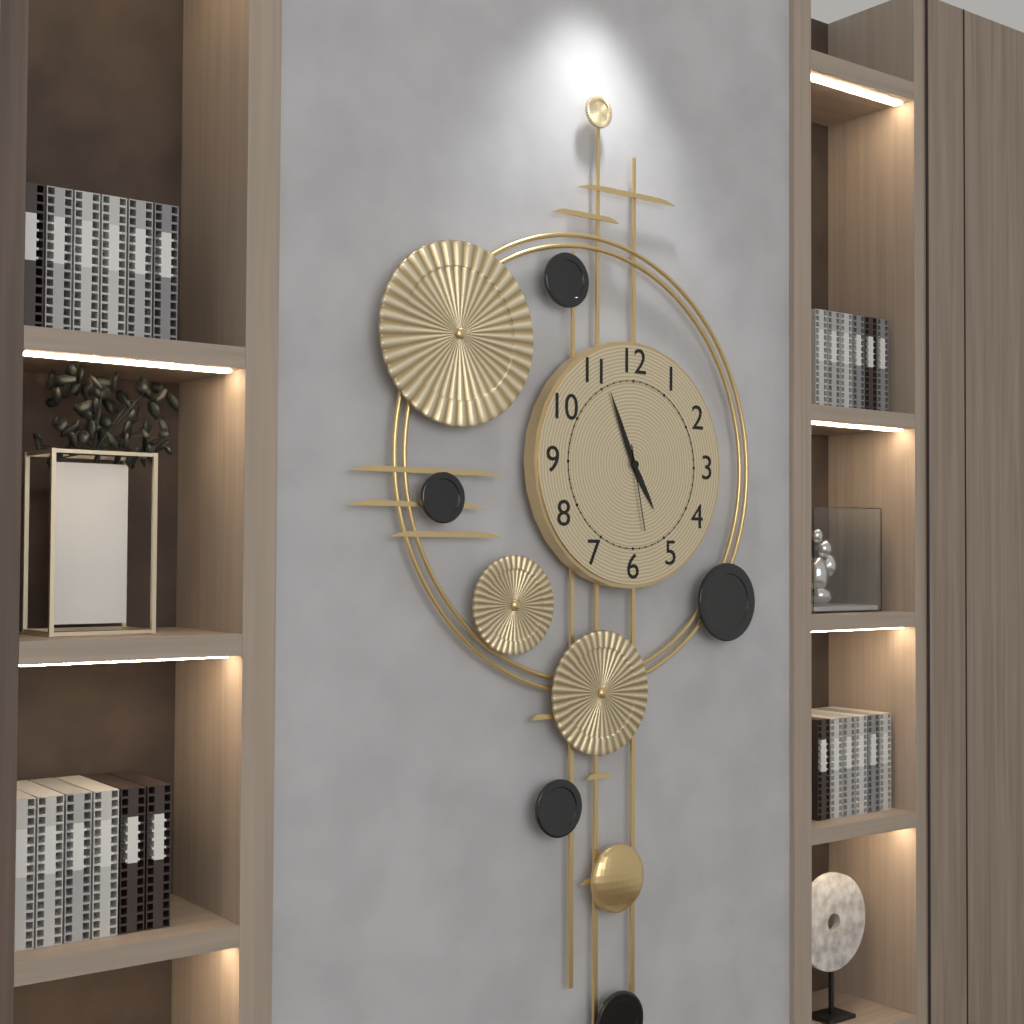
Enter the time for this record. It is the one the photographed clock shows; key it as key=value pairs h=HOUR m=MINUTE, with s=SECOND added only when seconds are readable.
h=4 m=56 s=28
